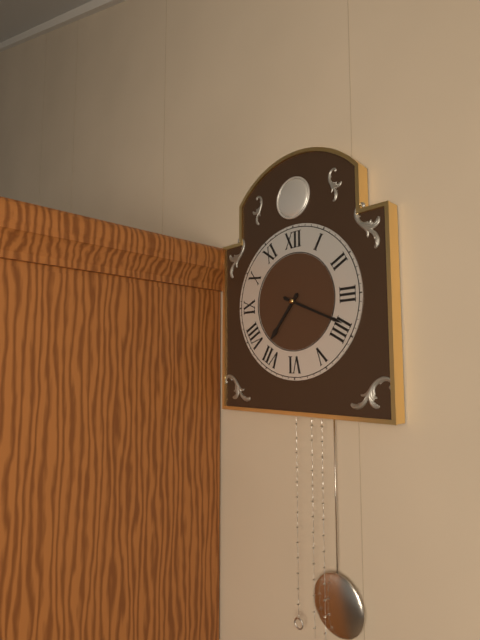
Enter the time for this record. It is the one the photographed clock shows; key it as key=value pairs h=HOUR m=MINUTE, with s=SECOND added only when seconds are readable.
h=7 m=19
